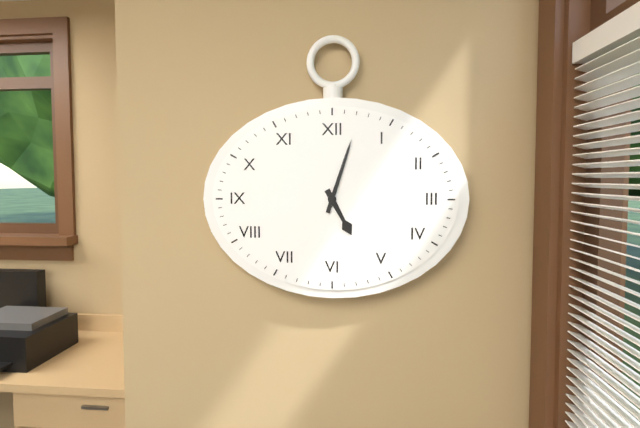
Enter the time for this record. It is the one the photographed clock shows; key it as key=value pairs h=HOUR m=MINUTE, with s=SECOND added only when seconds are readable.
h=5 m=3
